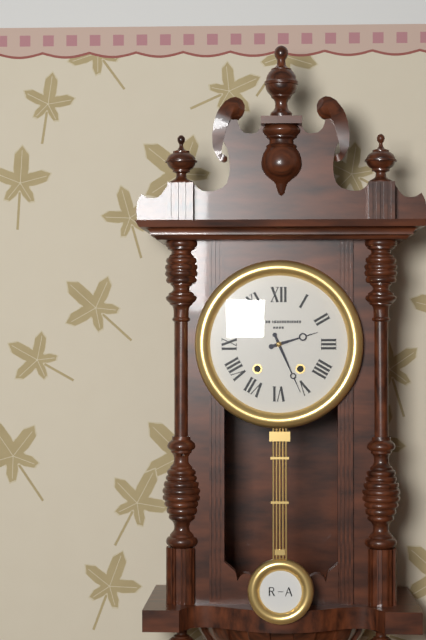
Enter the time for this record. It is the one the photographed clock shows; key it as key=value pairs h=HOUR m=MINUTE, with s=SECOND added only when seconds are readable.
h=2 m=26
